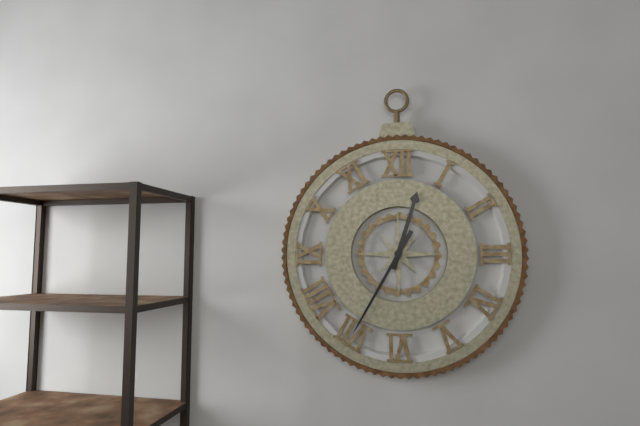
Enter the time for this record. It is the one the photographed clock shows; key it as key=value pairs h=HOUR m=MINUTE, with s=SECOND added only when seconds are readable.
h=12 m=35
